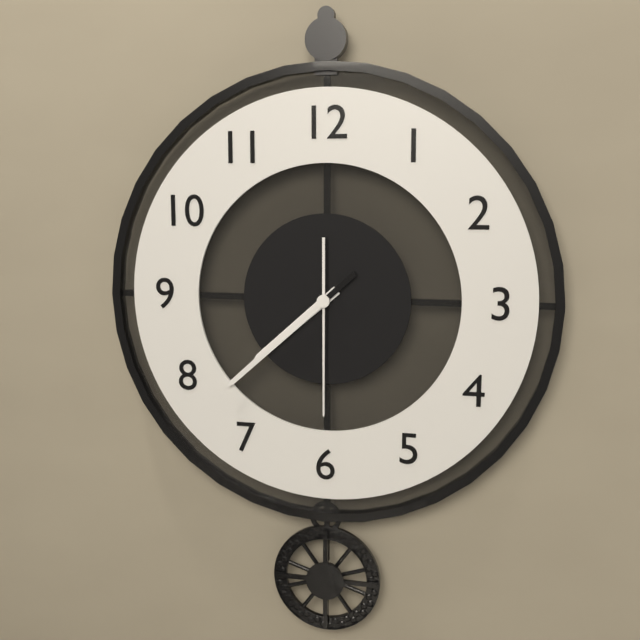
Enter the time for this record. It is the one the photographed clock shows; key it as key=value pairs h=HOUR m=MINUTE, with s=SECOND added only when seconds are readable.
h=7 m=38 s=30
